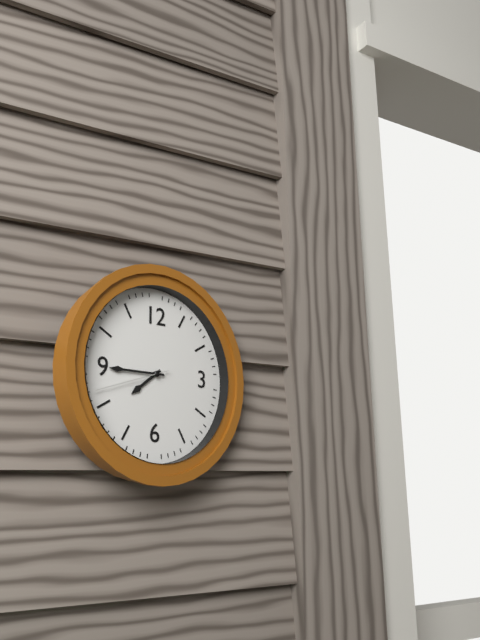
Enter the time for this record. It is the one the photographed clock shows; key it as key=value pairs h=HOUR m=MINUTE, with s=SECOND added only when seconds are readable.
h=7 m=45 s=42
